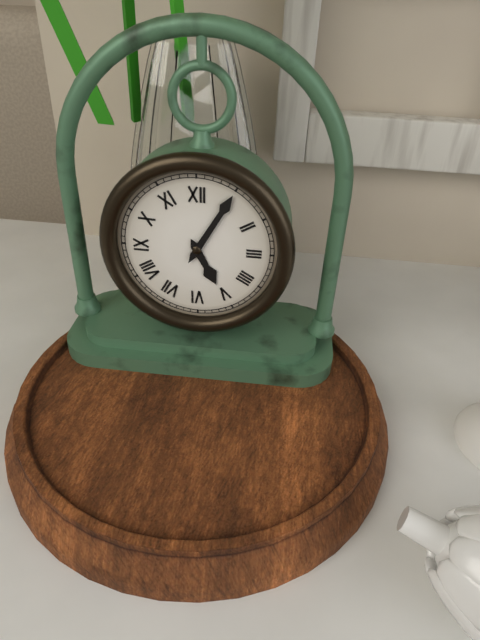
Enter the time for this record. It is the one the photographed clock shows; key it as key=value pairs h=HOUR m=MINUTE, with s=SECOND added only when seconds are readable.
h=5 m=5
